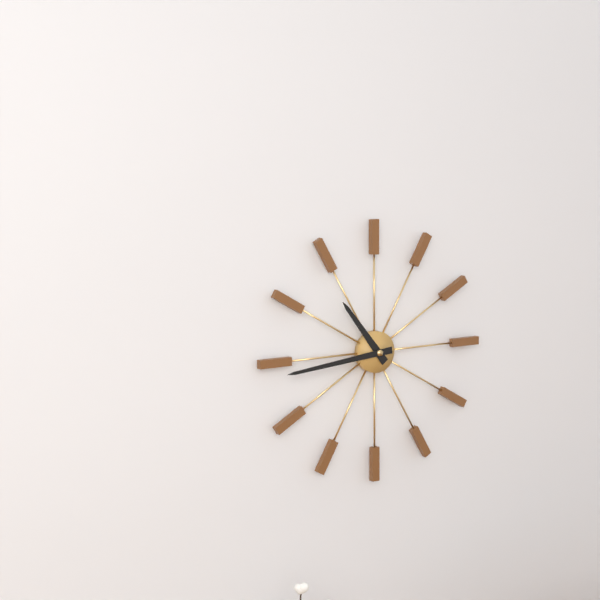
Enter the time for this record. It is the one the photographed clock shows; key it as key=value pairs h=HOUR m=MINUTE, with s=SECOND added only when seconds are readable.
h=10 m=44
